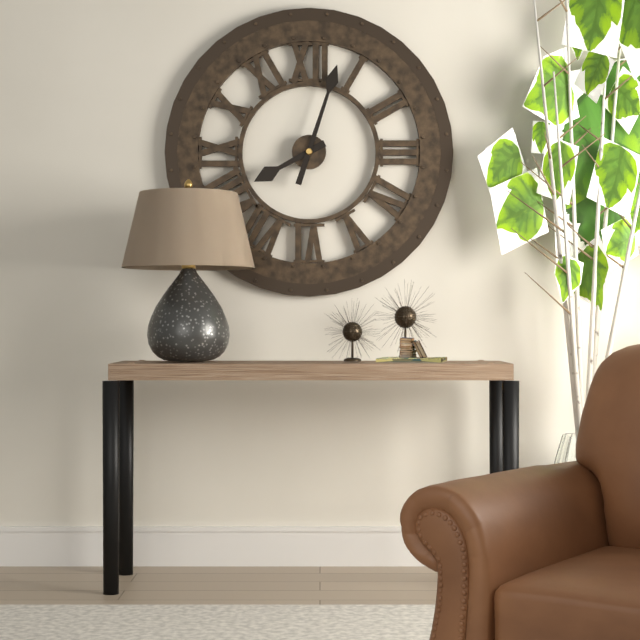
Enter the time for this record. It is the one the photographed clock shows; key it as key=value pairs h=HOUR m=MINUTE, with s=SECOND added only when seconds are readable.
h=8 m=3
